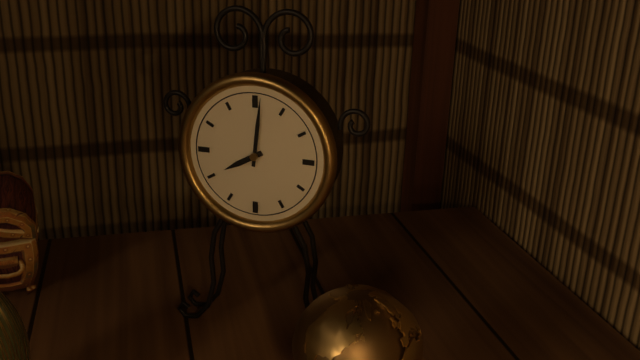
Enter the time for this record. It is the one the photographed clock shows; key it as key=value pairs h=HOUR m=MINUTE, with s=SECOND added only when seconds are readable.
h=8 m=1
